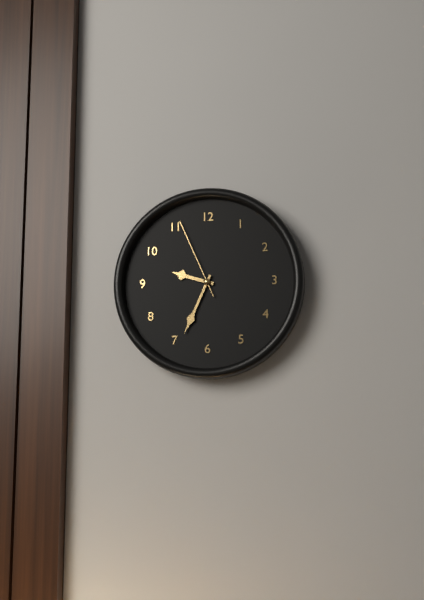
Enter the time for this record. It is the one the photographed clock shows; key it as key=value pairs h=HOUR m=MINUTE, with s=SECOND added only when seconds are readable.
h=9 m=34 s=56
